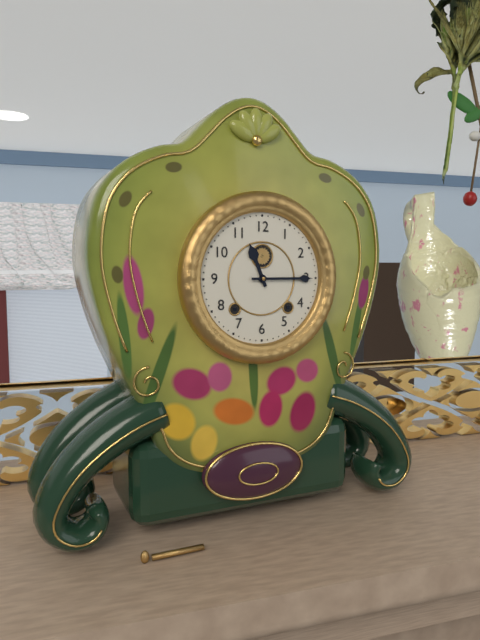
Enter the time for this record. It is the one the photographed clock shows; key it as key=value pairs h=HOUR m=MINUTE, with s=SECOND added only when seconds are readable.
h=11 m=15
